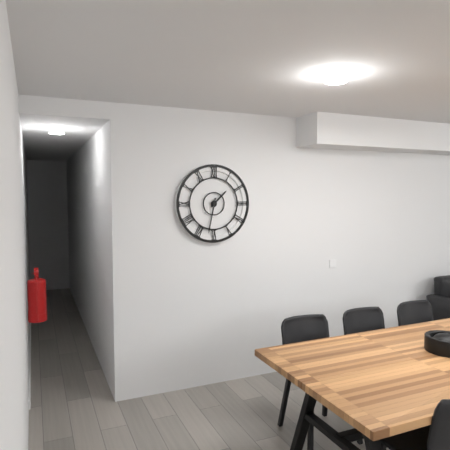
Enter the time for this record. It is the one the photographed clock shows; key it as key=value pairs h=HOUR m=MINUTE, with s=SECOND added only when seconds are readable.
h=1 m=32
